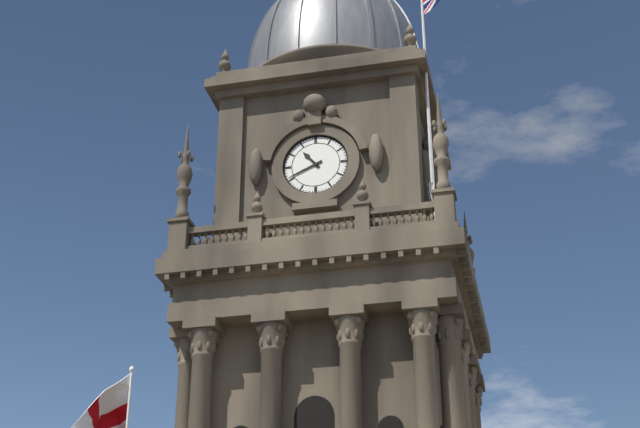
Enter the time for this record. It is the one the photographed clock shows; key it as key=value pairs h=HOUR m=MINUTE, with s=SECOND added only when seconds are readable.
h=10 m=41
